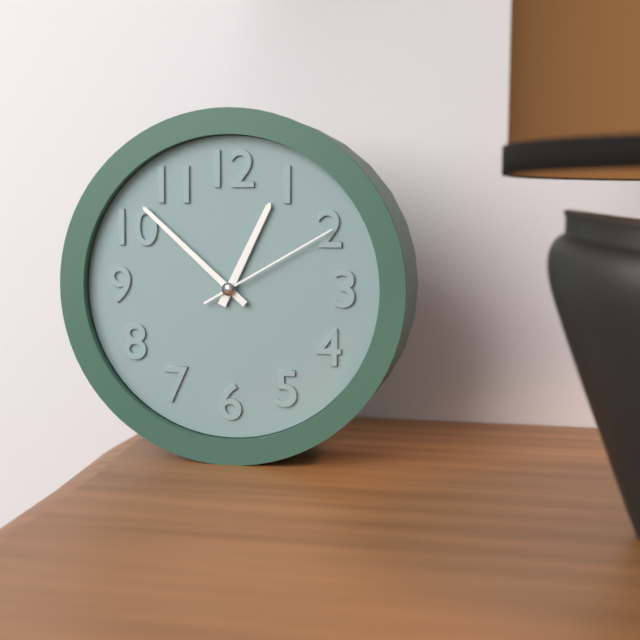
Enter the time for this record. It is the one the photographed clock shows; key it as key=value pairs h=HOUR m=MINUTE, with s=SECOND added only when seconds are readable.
h=12 m=52 s=10
